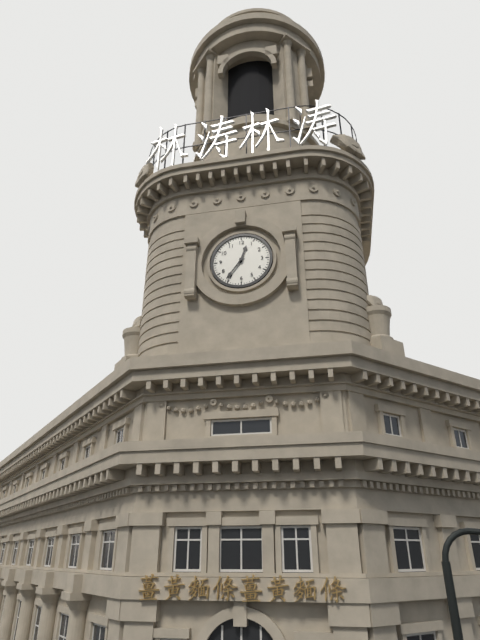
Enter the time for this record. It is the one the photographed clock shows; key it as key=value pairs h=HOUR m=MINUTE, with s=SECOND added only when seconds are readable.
h=12 m=36
